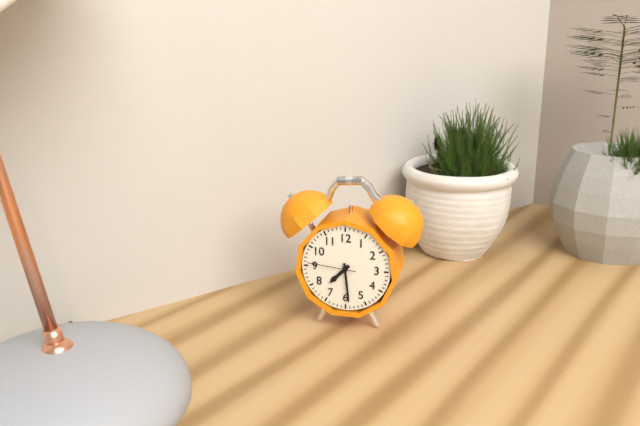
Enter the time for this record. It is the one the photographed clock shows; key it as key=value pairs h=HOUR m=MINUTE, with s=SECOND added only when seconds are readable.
h=7 m=29
